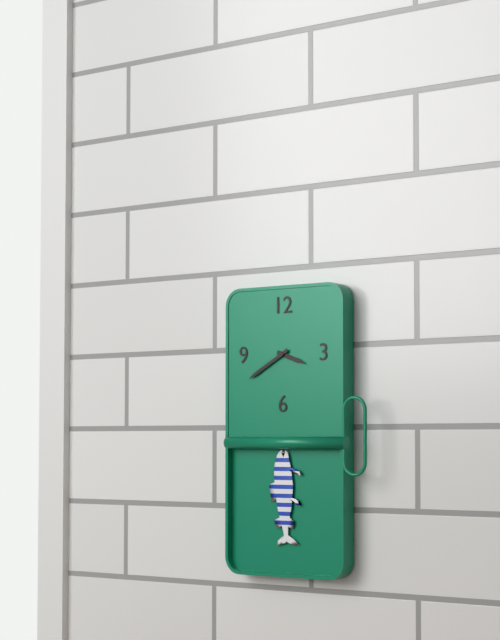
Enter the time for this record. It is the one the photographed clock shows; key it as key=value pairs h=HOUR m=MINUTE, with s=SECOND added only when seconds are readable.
h=3 m=40
